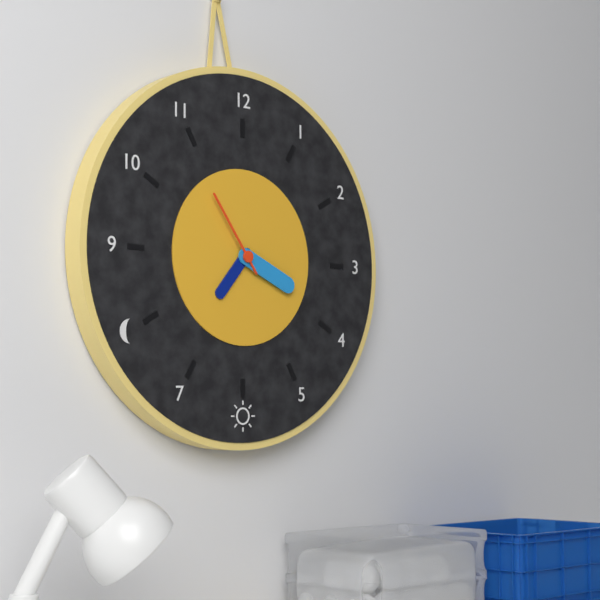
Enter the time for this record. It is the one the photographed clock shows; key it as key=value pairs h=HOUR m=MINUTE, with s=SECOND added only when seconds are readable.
h=7 m=19 s=54
